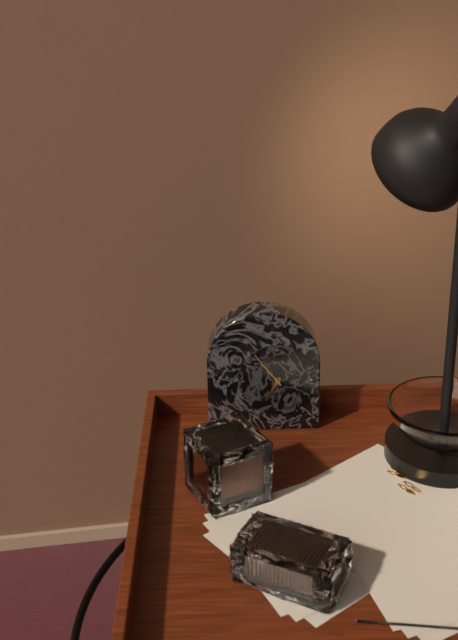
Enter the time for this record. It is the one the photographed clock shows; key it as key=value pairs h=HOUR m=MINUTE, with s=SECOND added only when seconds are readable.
h=6 m=54
